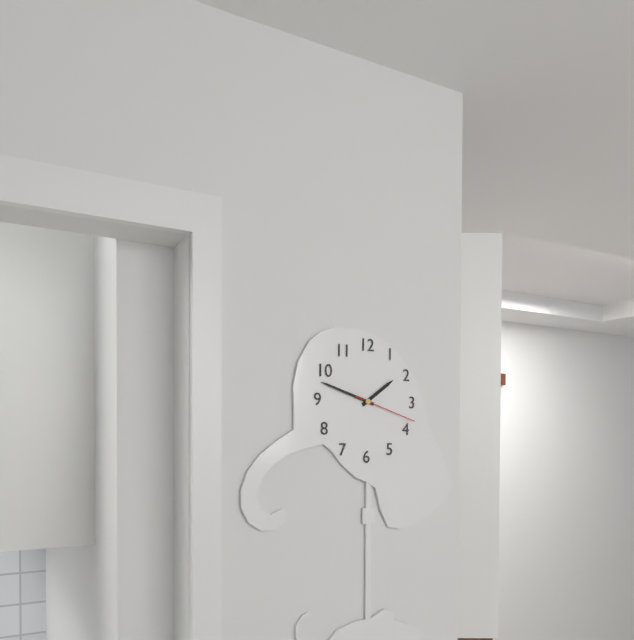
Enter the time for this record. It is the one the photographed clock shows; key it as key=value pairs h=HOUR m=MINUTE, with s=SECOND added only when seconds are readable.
h=1 m=48 s=18
